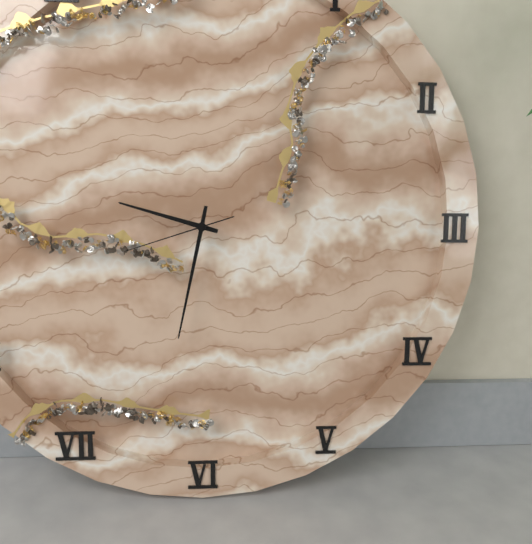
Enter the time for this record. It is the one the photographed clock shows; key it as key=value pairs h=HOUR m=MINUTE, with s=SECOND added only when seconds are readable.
h=9 m=32 s=42
